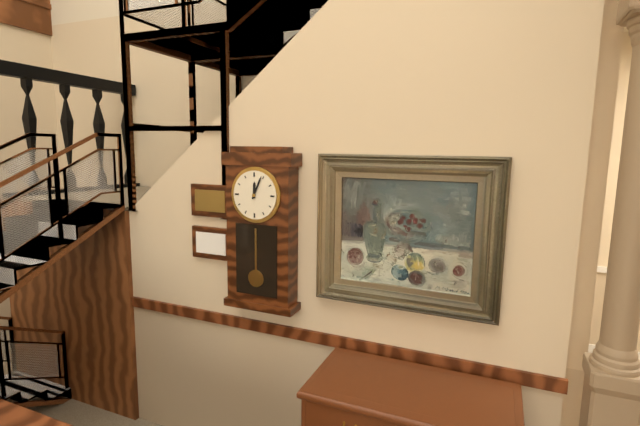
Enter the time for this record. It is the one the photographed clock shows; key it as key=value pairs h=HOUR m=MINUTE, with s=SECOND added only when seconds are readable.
h=12 m=4
